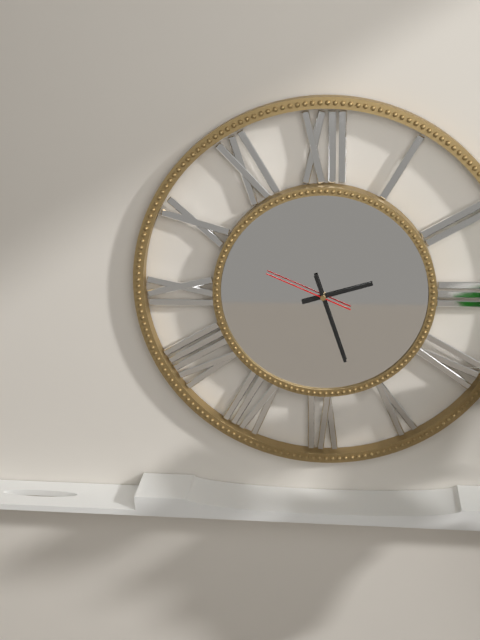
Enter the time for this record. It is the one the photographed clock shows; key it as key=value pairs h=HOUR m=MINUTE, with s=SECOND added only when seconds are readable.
h=2 m=27 s=49
